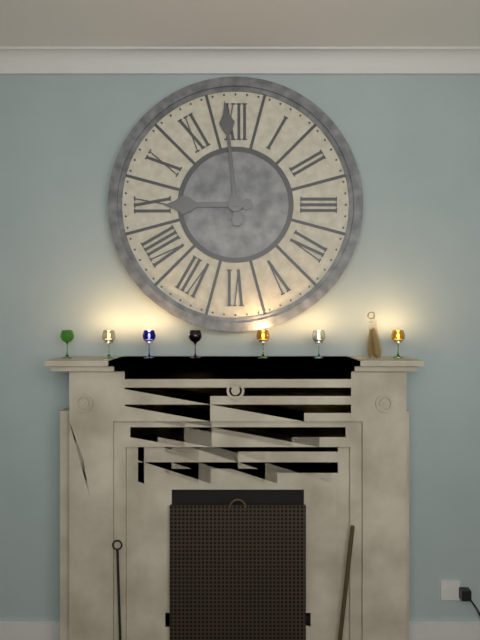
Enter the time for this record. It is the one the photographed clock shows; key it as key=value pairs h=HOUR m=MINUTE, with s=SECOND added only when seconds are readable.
h=8 m=59
